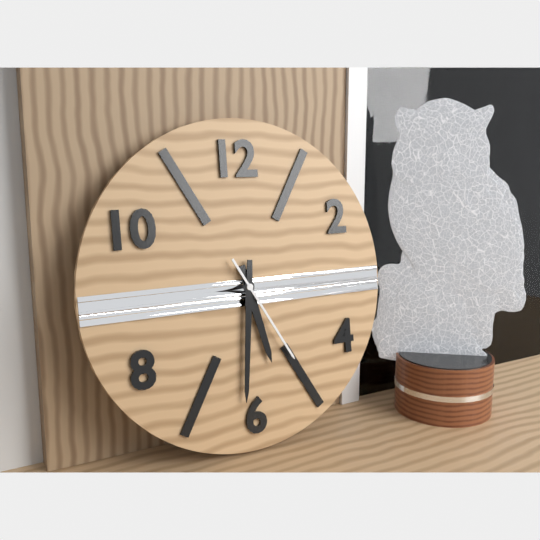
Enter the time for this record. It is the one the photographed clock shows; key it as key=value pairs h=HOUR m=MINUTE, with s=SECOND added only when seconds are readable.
h=5 m=31 s=25
